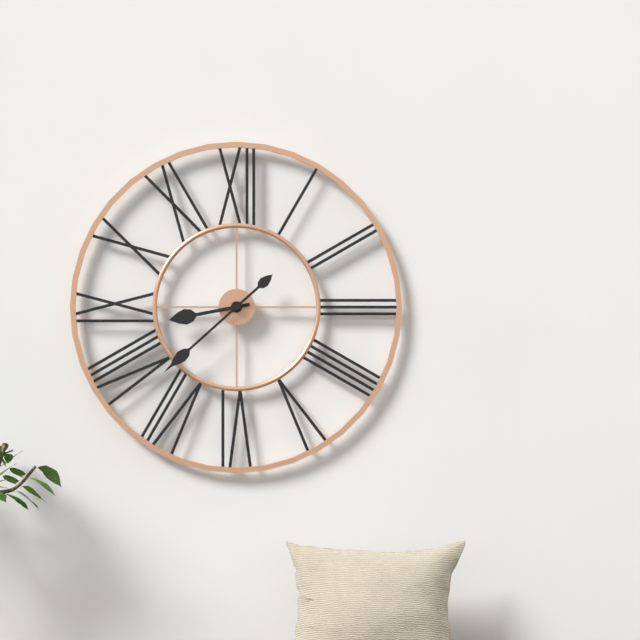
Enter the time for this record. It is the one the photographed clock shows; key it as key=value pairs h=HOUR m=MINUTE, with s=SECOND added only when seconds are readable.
h=8 m=38
